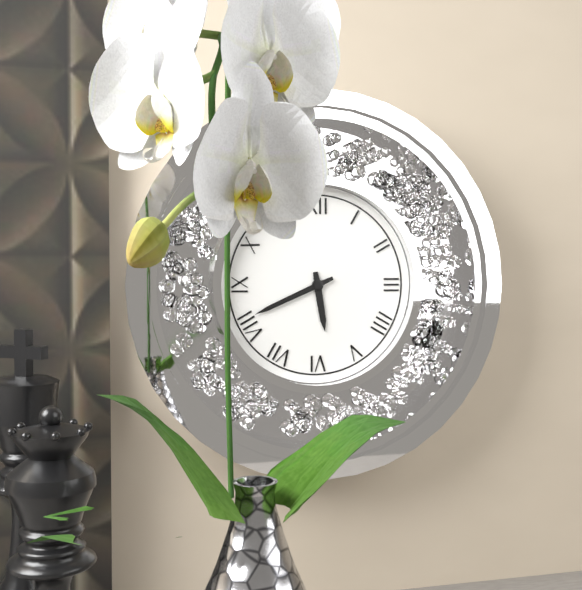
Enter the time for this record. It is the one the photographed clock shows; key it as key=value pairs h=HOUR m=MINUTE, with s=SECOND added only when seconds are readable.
h=5 m=41
